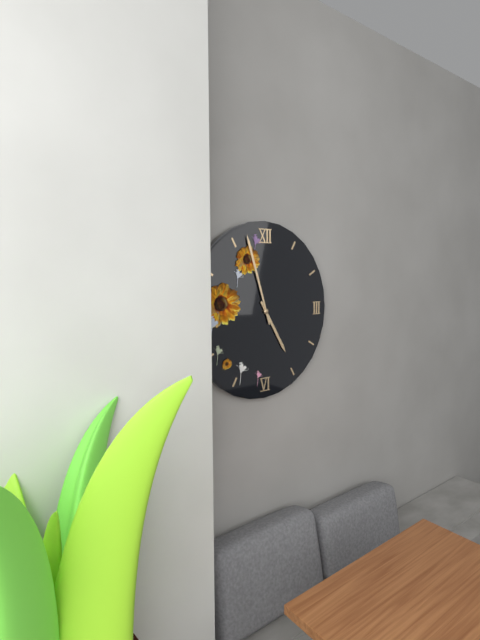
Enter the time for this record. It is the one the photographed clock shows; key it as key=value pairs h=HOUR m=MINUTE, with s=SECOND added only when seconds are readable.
h=4 m=57
